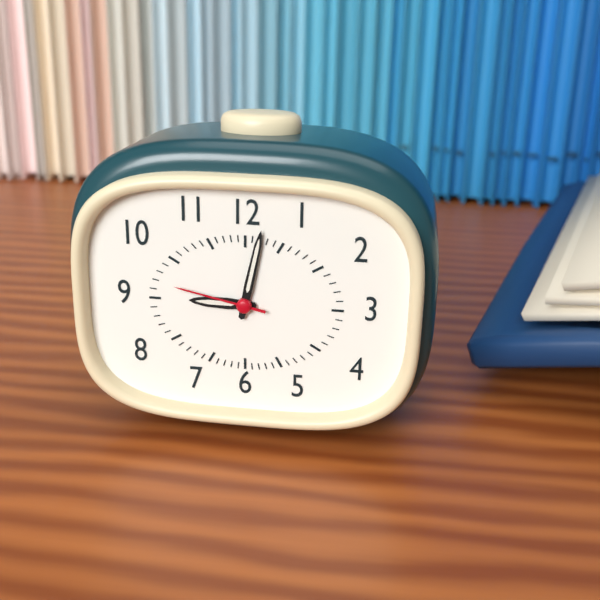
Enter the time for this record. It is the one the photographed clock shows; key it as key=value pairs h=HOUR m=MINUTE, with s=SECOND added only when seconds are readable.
h=9 m=2 s=47
